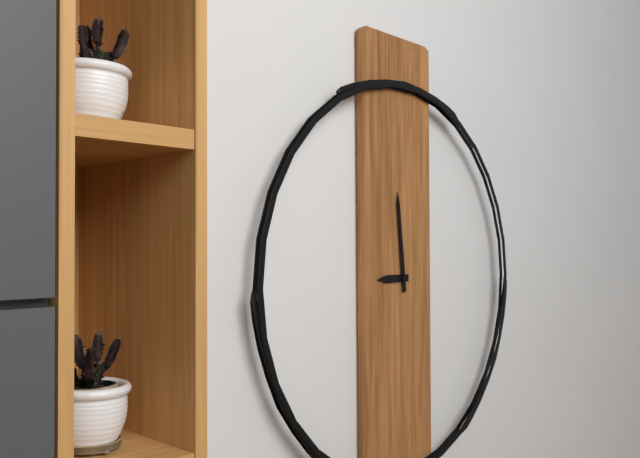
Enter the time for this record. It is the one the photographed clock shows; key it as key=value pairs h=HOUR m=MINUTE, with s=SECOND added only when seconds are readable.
h=8 m=59
